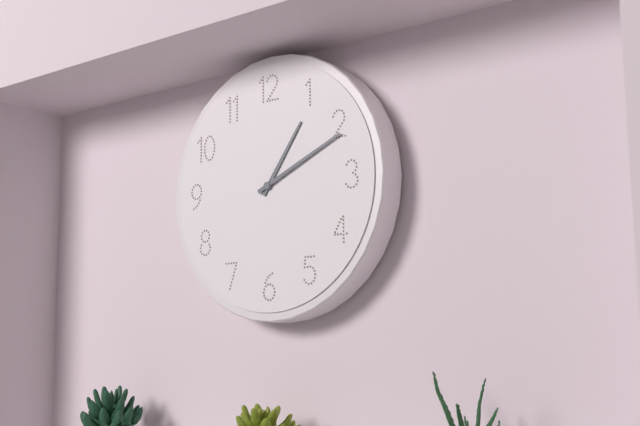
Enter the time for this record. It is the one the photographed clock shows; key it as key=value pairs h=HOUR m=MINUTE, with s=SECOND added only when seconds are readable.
h=1 m=11
